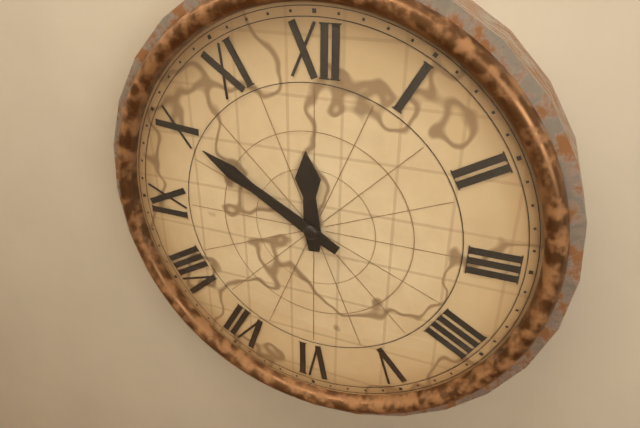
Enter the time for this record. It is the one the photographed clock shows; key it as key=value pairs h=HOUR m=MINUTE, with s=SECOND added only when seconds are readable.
h=11 m=50
